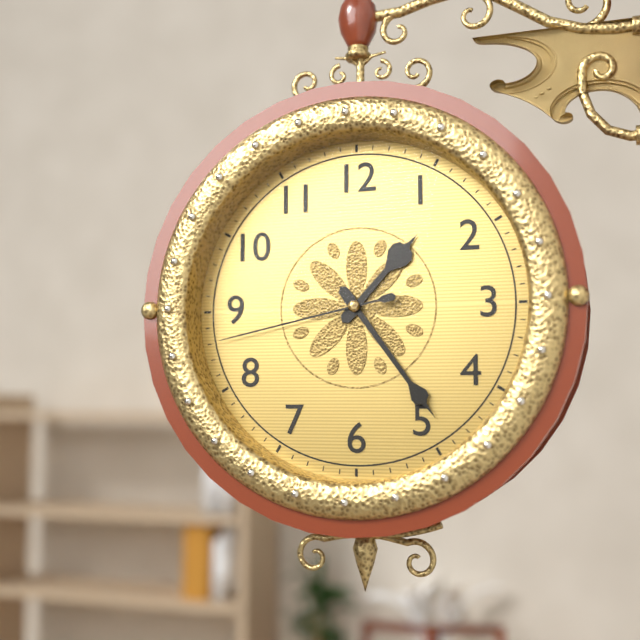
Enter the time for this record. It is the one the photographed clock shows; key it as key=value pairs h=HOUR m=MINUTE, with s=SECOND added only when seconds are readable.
h=1 m=24 s=43
